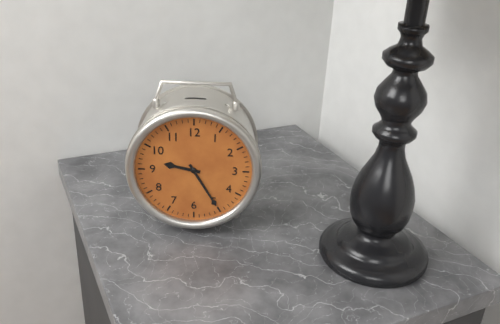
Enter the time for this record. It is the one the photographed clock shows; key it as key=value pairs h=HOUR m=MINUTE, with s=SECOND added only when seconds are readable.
h=9 m=25
